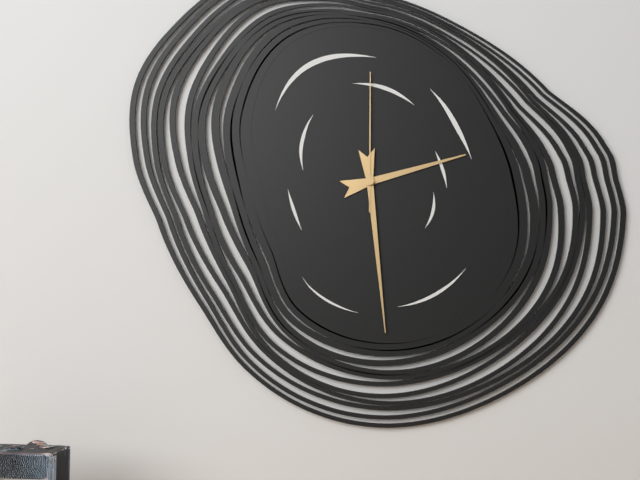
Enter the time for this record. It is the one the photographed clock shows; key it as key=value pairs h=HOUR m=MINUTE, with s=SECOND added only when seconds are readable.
h=2 m=29 s=0
